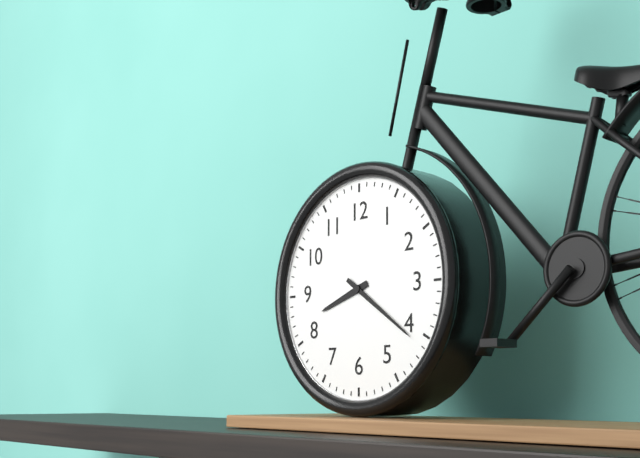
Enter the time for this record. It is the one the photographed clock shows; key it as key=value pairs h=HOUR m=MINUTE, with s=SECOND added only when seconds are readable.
h=8 m=21
